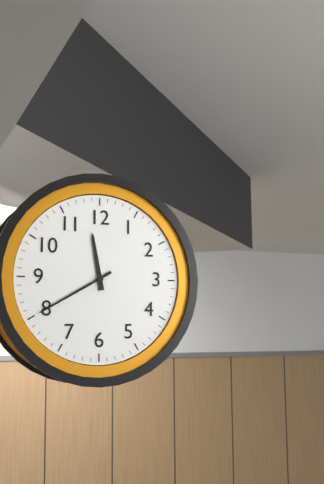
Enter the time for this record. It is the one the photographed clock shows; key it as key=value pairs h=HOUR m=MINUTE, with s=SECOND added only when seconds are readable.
h=11 m=40
